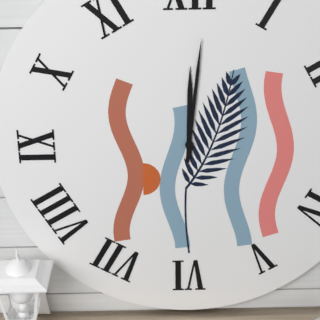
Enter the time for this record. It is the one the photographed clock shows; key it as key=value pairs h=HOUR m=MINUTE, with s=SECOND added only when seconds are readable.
h=12 m=1
